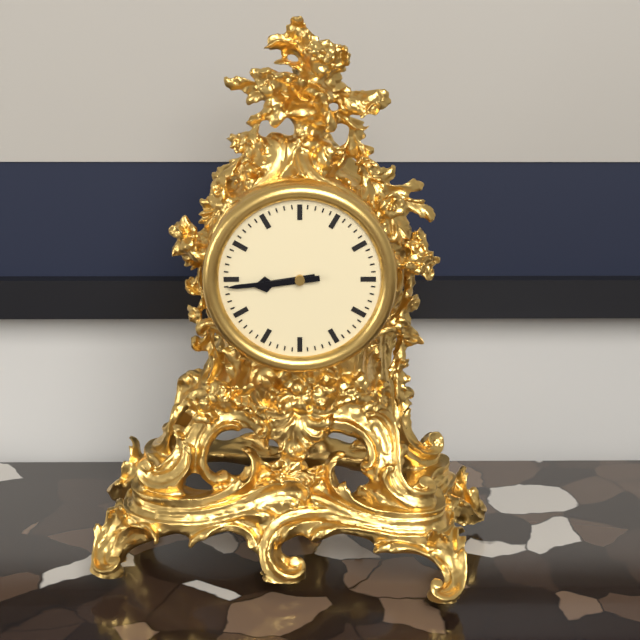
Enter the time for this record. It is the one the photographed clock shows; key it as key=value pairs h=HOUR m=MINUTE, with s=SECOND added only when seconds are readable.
h=8 m=44
